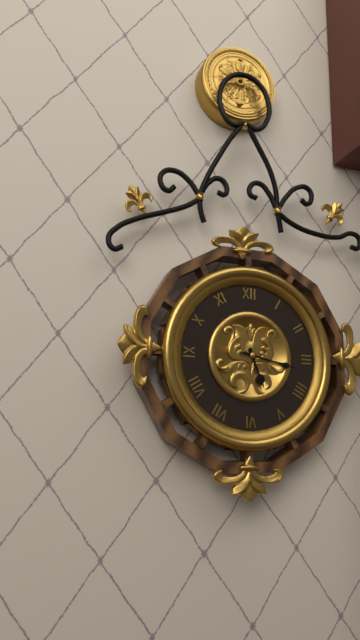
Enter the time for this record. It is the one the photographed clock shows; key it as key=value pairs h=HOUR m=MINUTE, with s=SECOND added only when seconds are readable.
h=5 m=17
